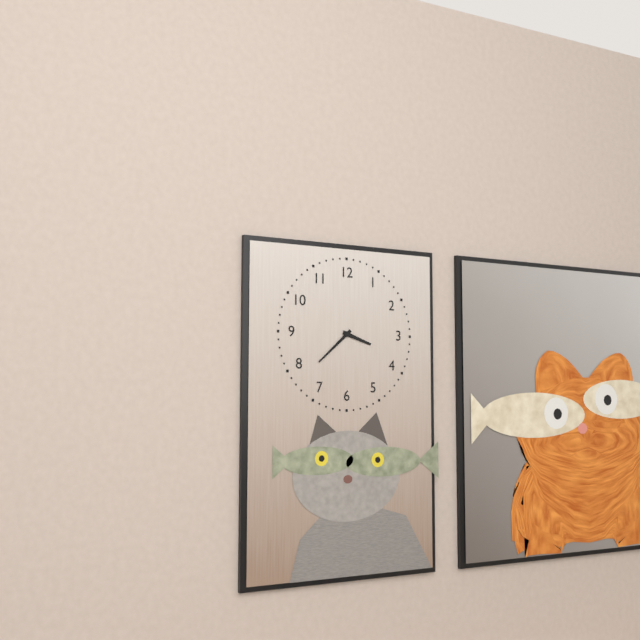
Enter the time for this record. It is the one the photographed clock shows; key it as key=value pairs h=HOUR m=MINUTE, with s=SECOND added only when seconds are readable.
h=3 m=38
